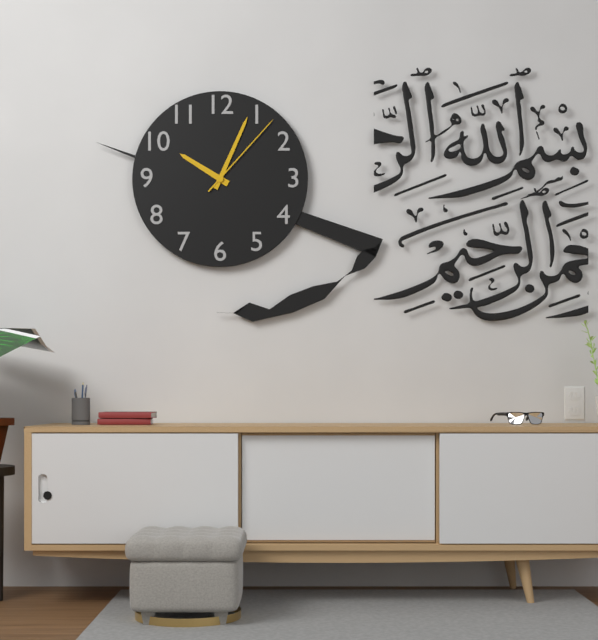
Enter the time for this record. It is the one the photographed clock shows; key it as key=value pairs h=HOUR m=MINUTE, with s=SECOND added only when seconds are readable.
h=10 m=4 s=7
